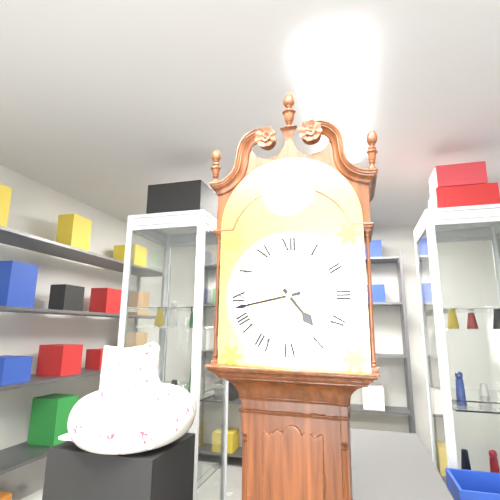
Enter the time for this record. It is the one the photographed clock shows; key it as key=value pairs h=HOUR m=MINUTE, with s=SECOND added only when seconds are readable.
h=4 m=43
